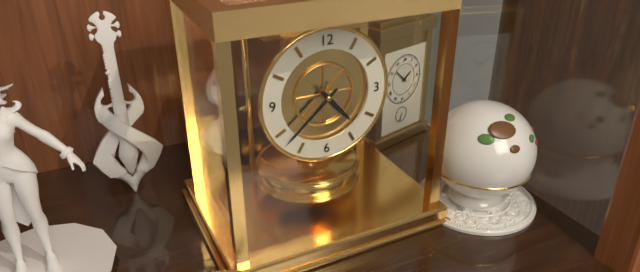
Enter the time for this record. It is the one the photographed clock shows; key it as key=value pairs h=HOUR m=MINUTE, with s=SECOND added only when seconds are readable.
h=4 m=38
